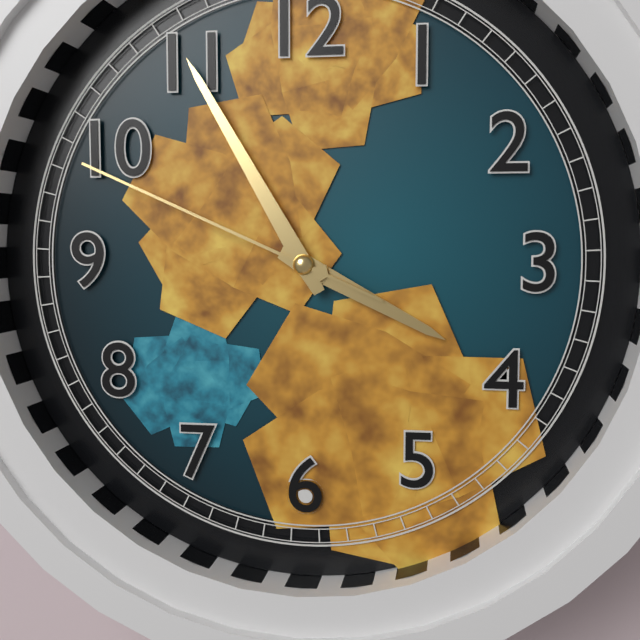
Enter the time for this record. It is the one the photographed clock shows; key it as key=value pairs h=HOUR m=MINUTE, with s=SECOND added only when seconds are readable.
h=3 m=55 s=49
